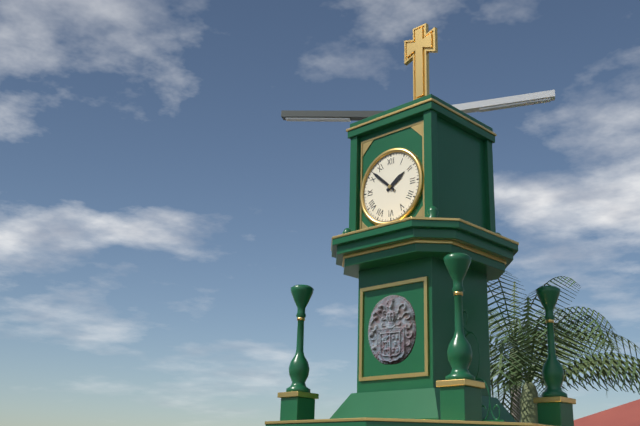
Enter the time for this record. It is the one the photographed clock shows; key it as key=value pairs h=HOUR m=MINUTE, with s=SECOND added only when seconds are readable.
h=1 m=52
